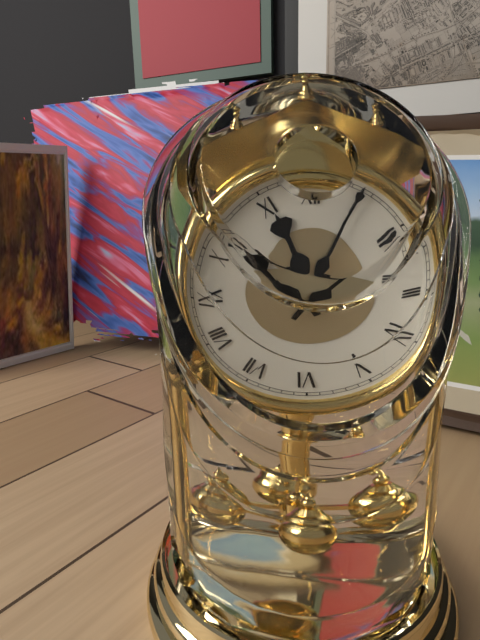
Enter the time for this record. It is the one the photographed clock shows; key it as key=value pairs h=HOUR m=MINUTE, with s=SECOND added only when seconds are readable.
h=11 m=5
